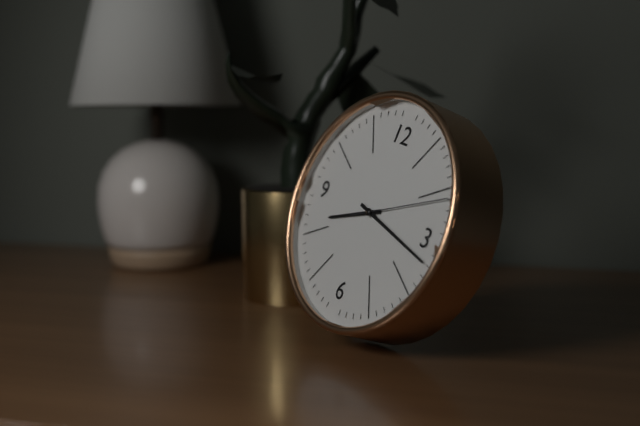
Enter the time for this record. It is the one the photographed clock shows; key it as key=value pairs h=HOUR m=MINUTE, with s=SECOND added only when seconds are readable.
h=8 m=17 s=11
